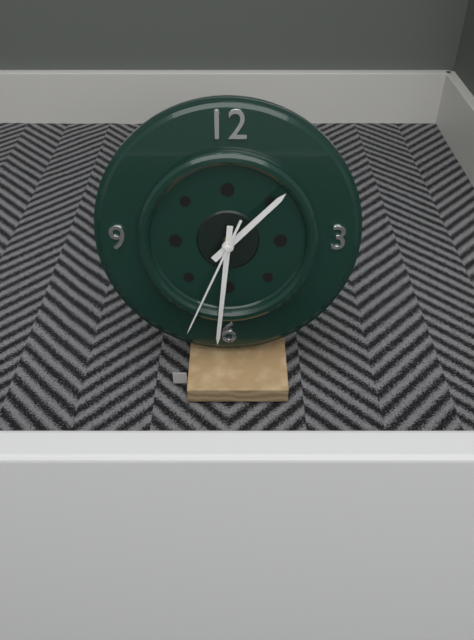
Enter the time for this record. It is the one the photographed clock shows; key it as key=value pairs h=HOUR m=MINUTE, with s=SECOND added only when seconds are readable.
h=1 m=31 s=34
